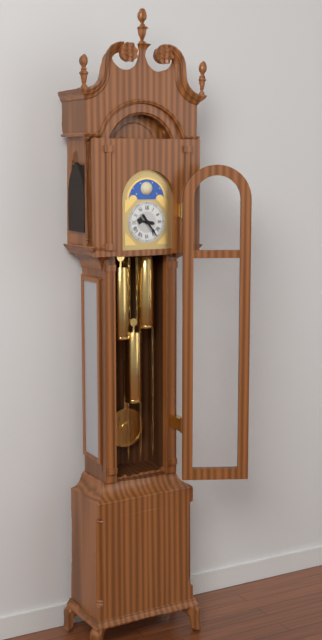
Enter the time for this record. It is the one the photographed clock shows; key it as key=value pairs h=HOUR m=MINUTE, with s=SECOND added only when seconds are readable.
h=9 m=24
